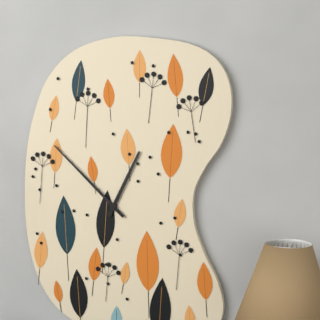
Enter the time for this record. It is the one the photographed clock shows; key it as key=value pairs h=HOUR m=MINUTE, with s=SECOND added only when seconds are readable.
h=12 m=52
